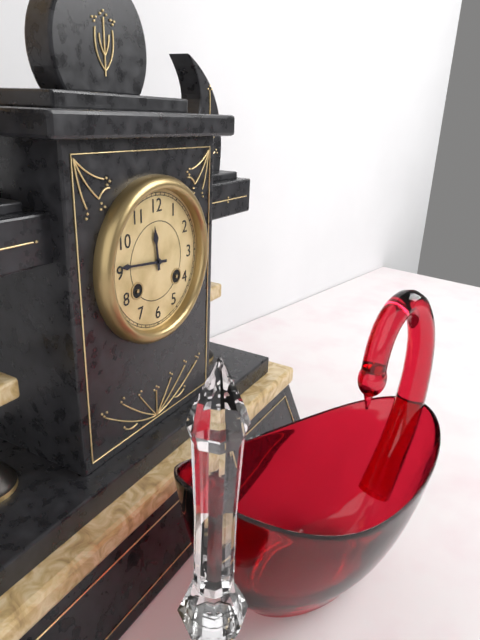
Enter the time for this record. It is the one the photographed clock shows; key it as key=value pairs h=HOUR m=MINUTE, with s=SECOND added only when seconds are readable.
h=11 m=46
